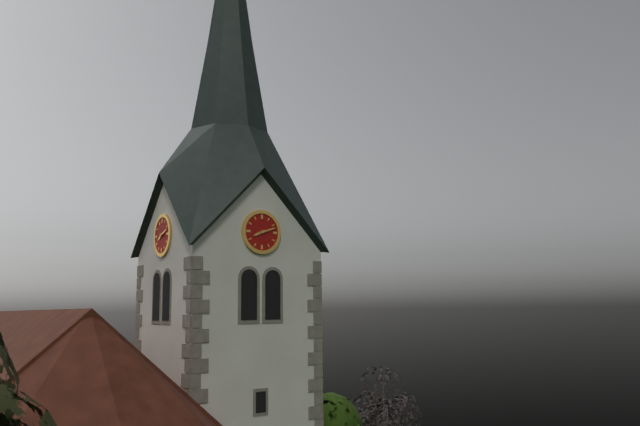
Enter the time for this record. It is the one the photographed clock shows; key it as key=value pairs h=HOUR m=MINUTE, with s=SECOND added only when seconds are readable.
h=8 m=12
